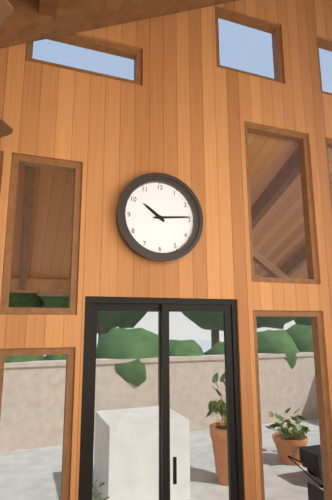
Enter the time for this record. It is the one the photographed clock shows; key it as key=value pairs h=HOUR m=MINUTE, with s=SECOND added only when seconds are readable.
h=10 m=14
